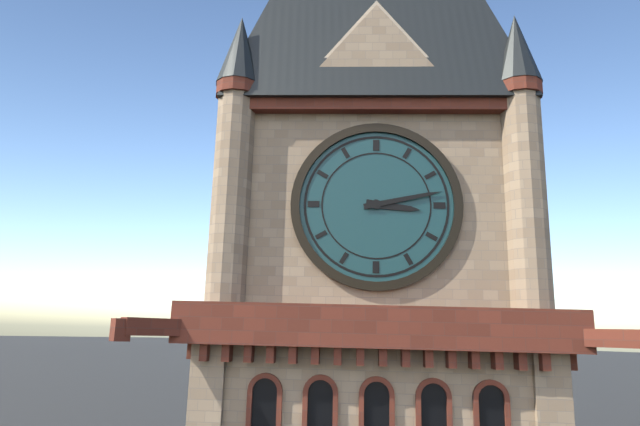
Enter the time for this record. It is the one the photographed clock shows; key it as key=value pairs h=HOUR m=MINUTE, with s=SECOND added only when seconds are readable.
h=3 m=13
